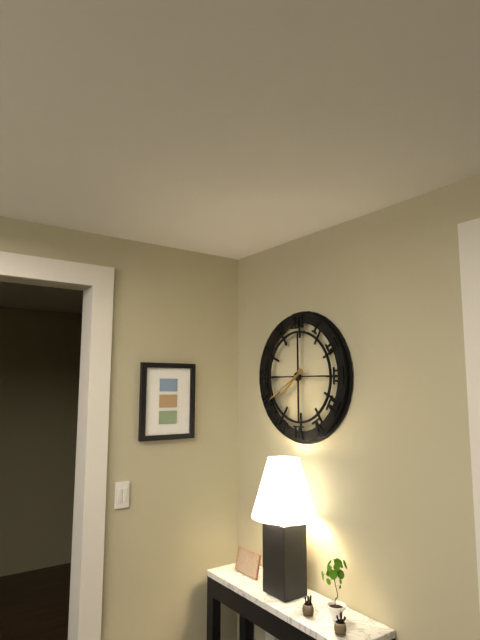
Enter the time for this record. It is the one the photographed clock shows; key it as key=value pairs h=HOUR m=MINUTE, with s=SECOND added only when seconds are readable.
h=7 m=40
